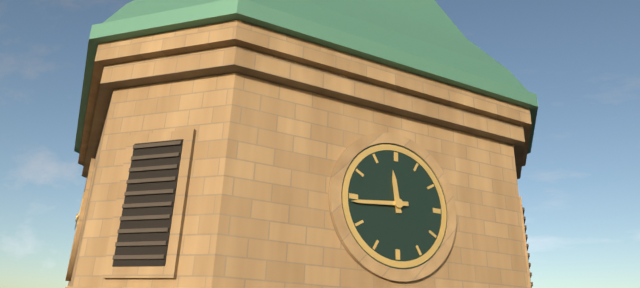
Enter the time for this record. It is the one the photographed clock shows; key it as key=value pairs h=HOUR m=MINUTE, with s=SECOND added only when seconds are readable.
h=11 m=44
